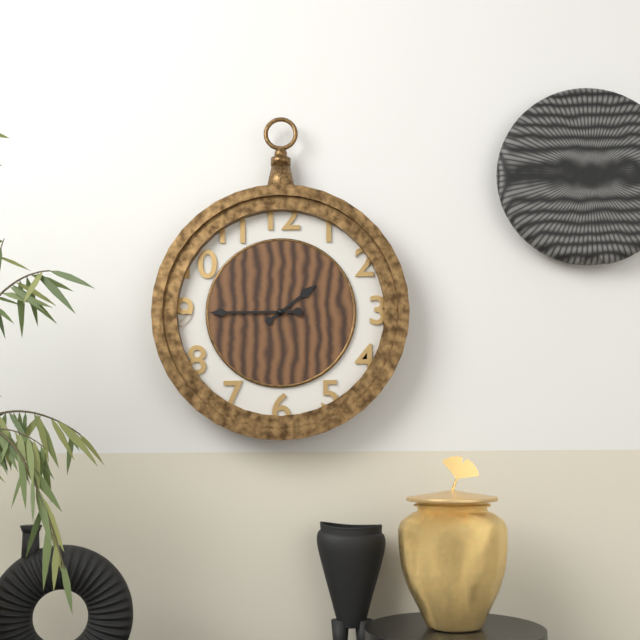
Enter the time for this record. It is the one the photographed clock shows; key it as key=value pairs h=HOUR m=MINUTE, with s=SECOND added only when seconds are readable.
h=1 m=45
